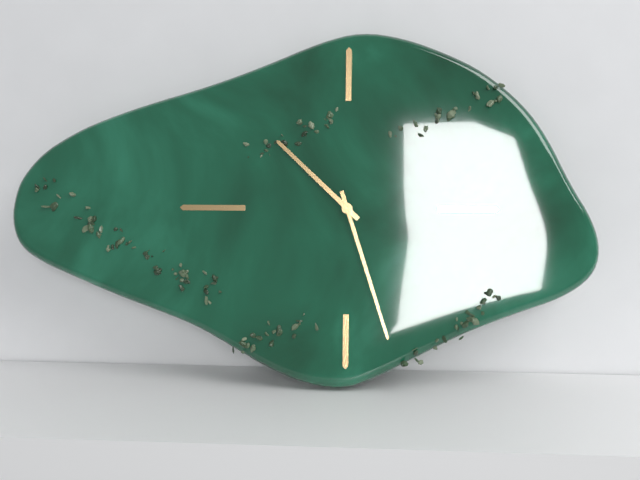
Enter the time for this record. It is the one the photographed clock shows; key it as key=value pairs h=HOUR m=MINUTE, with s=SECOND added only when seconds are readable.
h=10 m=27
